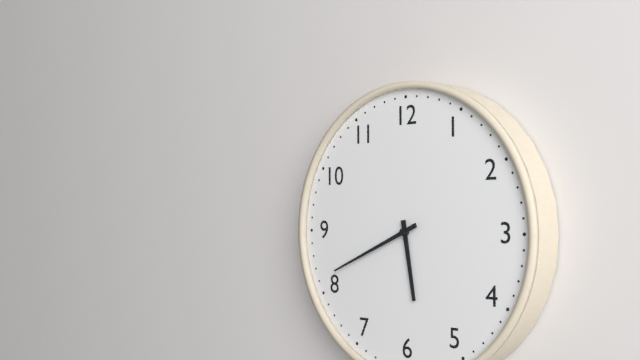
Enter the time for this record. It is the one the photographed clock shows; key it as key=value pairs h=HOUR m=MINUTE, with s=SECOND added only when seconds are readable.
h=5 m=41
